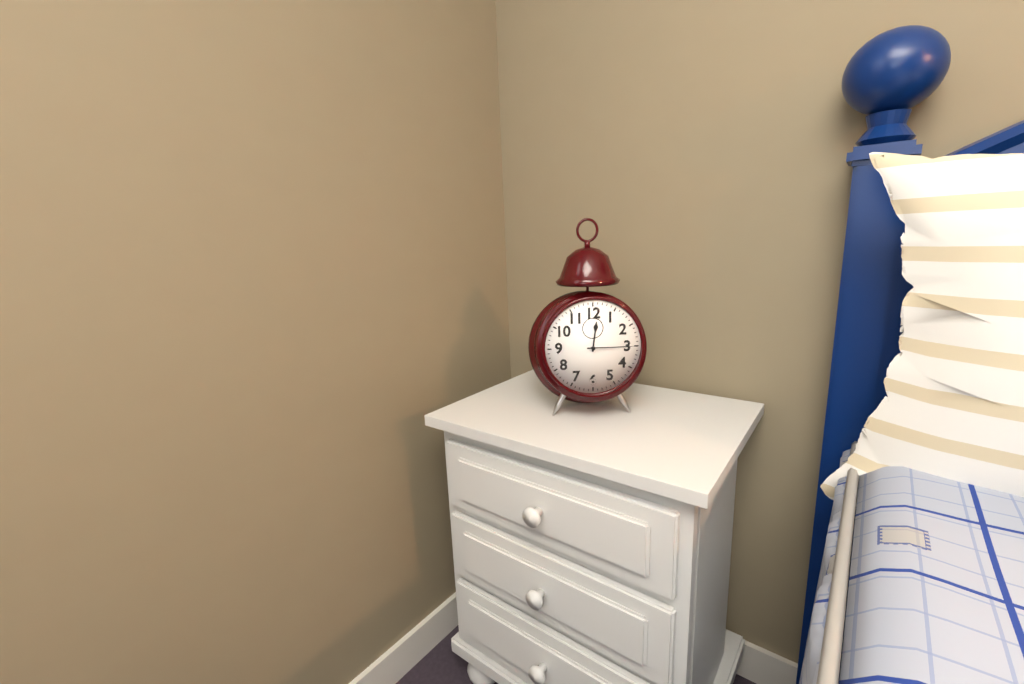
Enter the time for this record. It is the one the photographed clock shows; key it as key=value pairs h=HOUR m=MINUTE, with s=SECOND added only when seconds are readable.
h=12 m=15
